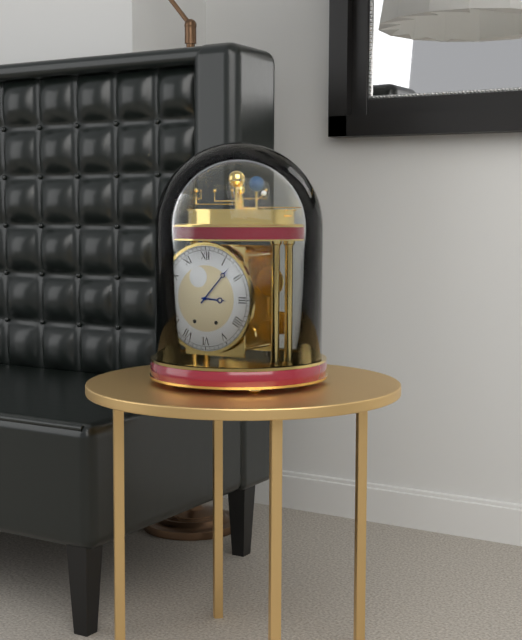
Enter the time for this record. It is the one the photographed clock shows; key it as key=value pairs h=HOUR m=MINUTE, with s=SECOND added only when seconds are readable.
h=3 m=7
